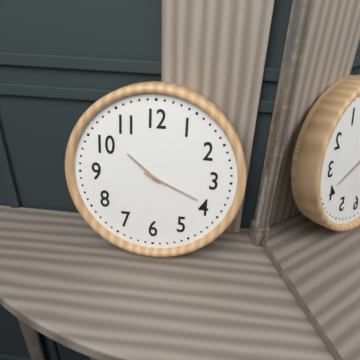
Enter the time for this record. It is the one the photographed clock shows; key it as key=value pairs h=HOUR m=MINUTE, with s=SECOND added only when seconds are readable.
h=10 m=19
